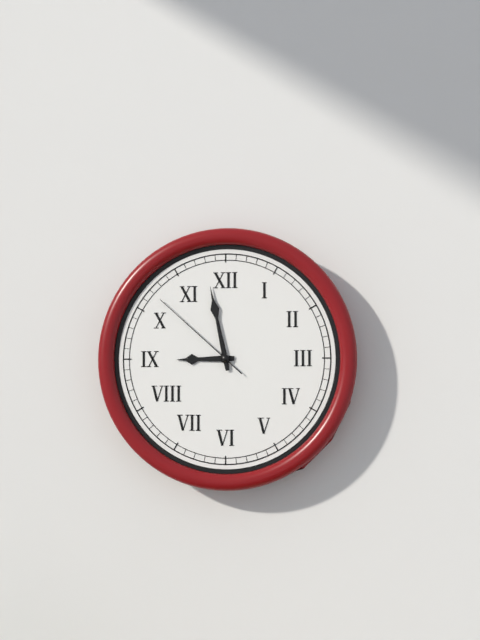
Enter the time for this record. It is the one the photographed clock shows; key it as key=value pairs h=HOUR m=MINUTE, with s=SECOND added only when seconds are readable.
h=8 m=58 s=52
